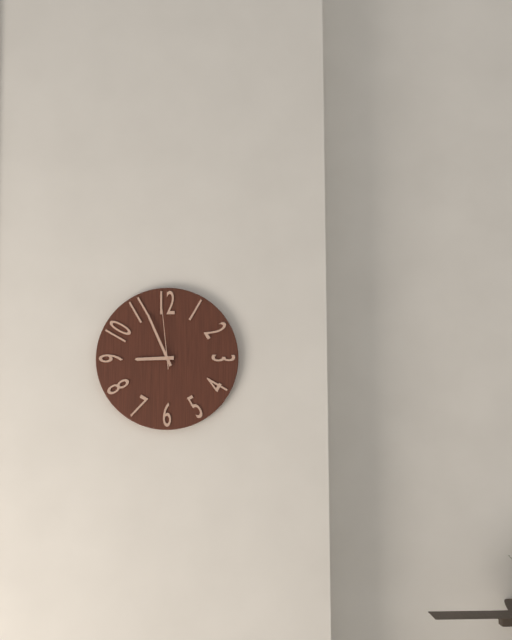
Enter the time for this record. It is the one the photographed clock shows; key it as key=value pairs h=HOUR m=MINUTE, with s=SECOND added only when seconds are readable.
h=8 m=56 s=59
